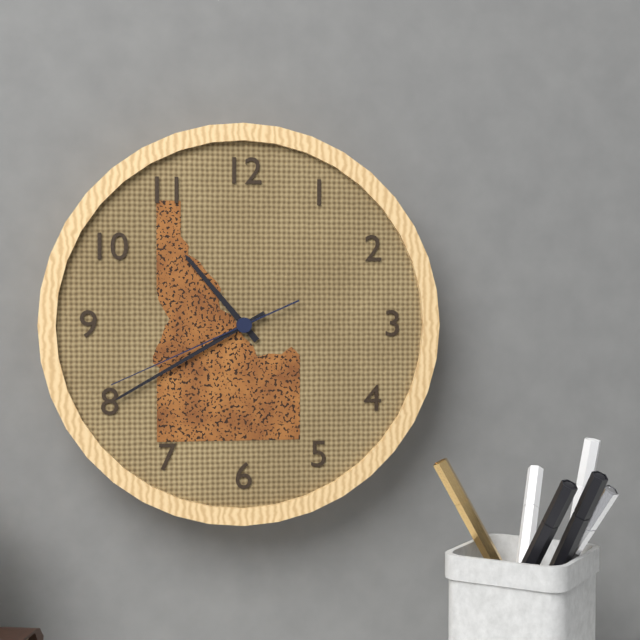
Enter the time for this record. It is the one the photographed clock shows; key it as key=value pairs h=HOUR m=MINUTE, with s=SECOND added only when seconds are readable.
h=10 m=40 s=41
